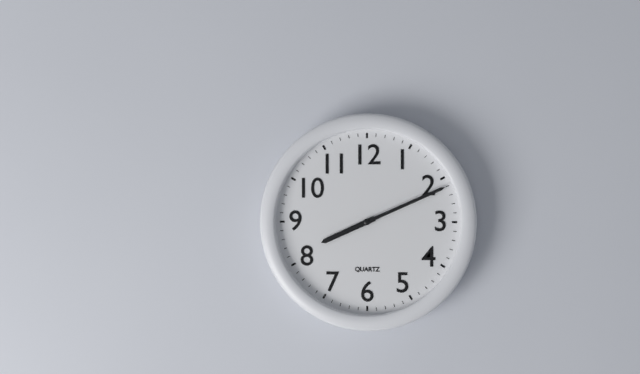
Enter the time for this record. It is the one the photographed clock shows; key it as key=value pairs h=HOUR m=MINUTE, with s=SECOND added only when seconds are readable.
h=8 m=11
